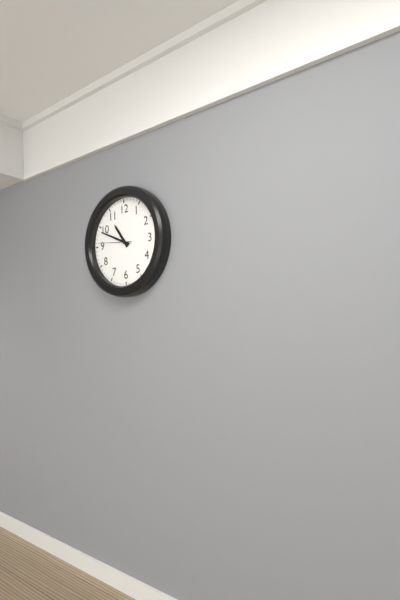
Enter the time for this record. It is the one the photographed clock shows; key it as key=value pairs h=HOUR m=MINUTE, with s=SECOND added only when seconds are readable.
h=10 m=49
